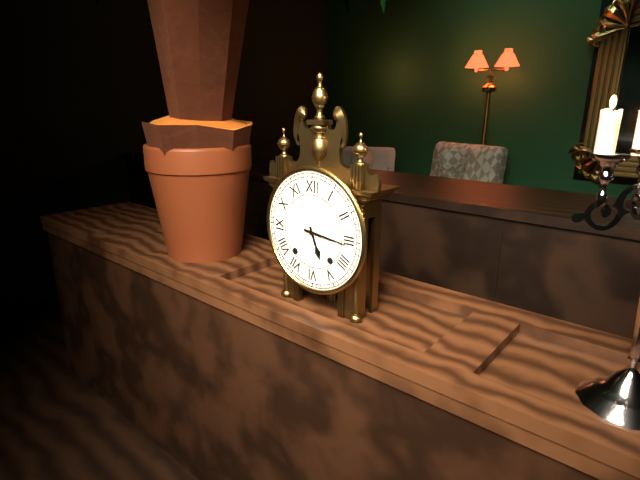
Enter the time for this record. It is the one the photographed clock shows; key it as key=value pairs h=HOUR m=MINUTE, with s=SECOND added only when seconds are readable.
h=5 m=16
